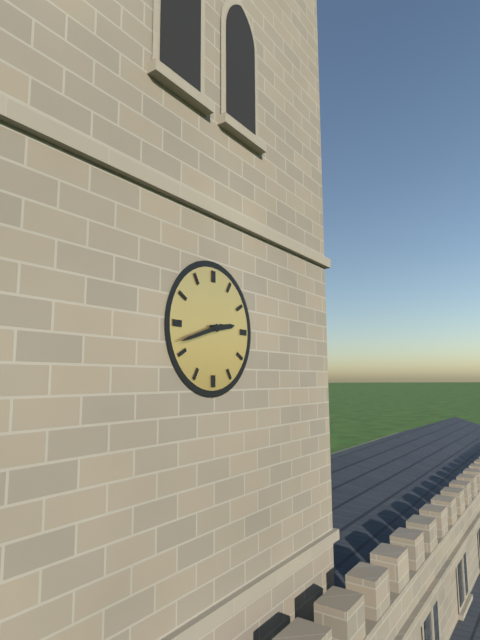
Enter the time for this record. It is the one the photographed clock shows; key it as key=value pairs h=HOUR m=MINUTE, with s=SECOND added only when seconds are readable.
h=2 m=42
